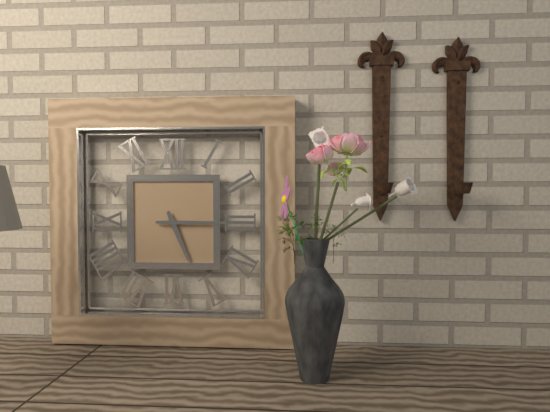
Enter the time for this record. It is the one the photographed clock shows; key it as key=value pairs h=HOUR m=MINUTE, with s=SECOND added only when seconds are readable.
h=5 m=15
